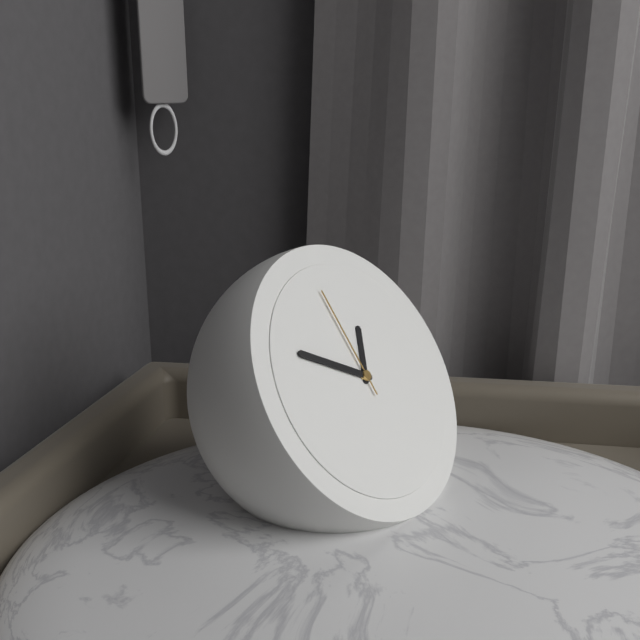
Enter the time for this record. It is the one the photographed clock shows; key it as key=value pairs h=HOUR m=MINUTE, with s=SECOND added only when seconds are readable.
h=12 m=50 s=59
